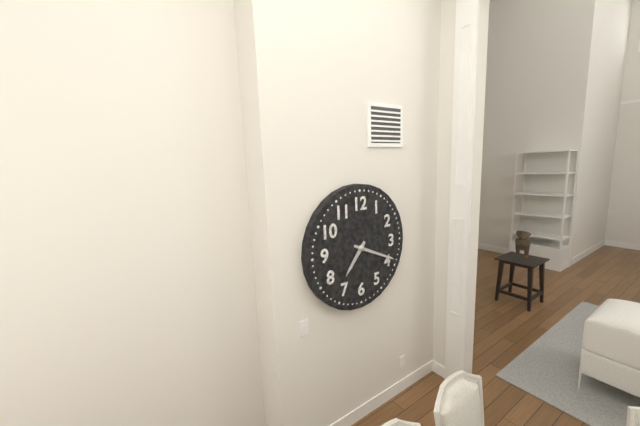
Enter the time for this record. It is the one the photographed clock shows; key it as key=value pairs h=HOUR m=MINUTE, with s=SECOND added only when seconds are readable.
h=7 m=19
